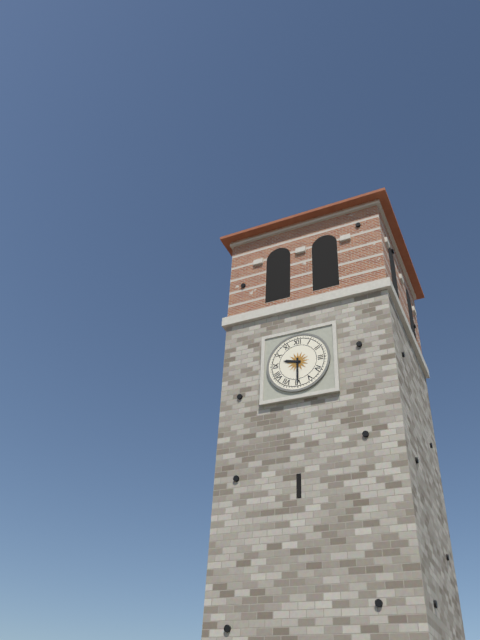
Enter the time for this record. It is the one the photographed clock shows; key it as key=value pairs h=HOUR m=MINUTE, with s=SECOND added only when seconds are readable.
h=9 m=30
